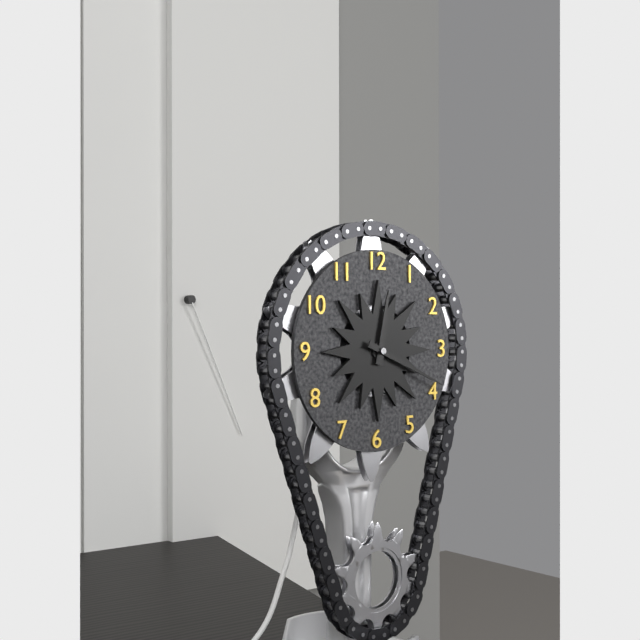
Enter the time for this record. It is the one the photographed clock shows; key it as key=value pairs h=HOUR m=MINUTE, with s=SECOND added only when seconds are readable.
h=12 m=19
